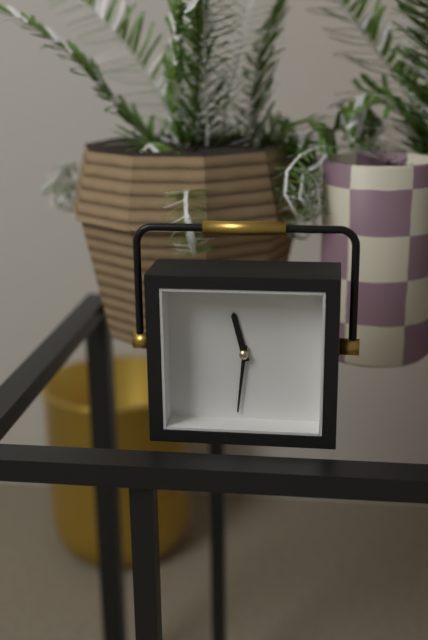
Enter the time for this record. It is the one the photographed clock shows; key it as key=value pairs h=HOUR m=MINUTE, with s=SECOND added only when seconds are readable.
h=11 m=31
